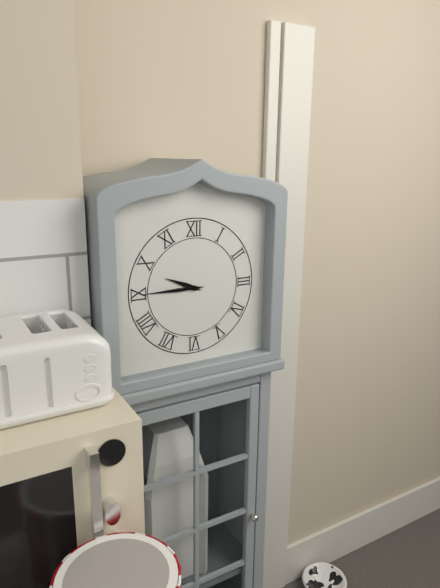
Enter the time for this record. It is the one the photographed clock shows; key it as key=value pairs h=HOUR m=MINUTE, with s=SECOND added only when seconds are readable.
h=9 m=45
